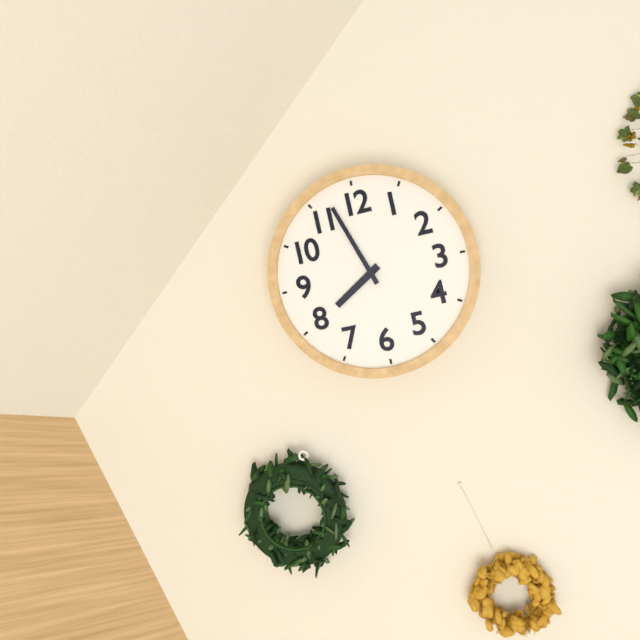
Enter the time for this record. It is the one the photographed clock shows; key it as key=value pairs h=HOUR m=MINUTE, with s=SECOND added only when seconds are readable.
h=7 m=57
